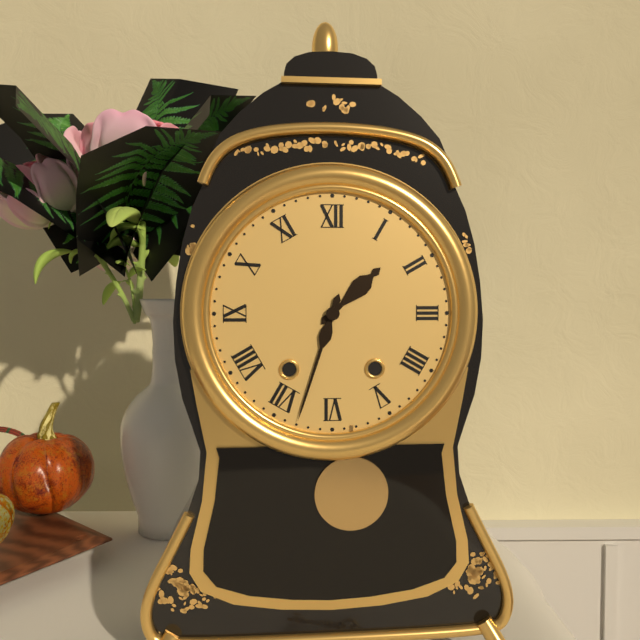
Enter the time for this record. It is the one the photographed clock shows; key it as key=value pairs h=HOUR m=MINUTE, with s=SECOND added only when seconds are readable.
h=1 m=33
